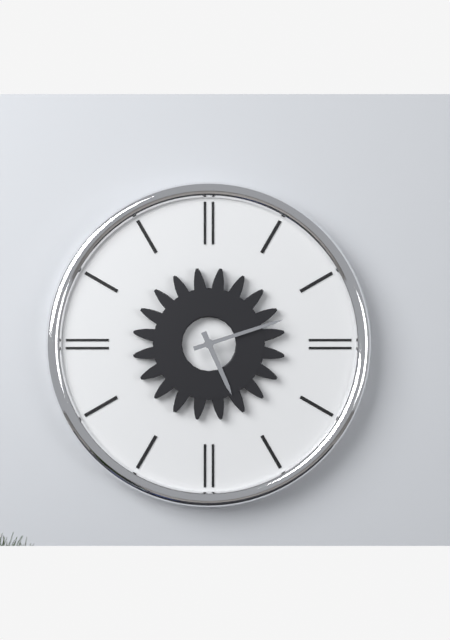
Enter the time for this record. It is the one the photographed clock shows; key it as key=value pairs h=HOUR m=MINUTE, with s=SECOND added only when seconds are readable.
h=5 m=12
